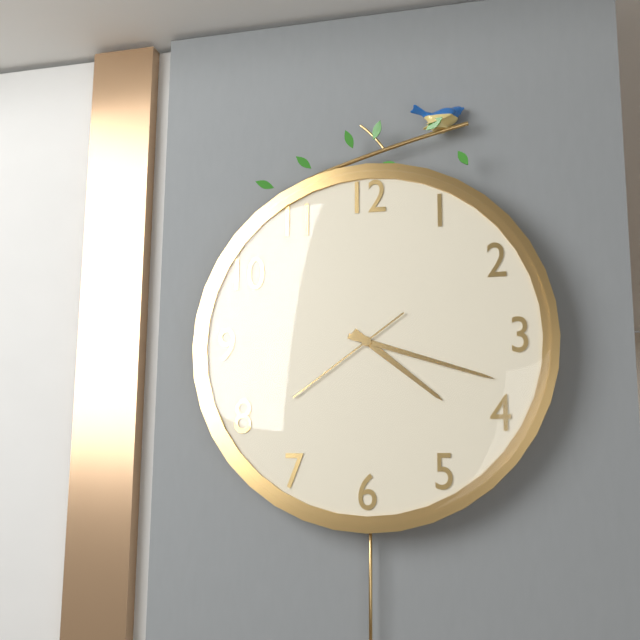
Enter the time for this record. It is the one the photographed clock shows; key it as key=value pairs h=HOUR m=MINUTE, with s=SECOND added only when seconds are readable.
h=4 m=18 s=39
